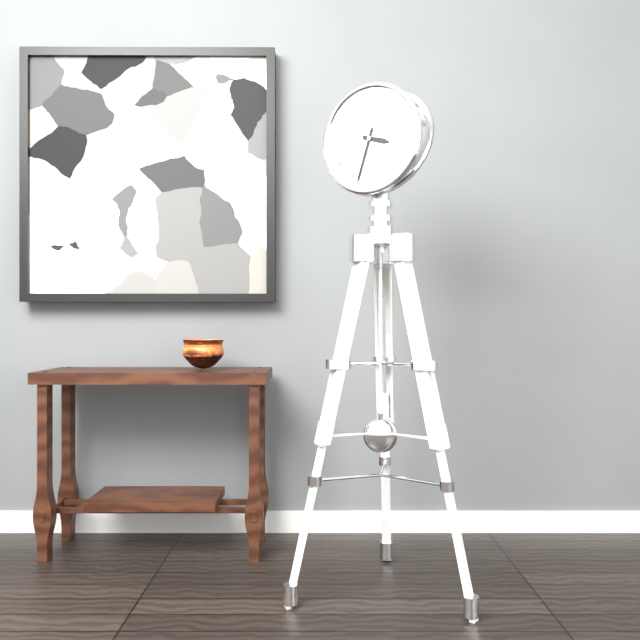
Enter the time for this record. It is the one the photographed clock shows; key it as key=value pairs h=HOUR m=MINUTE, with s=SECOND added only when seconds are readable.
h=3 m=33
